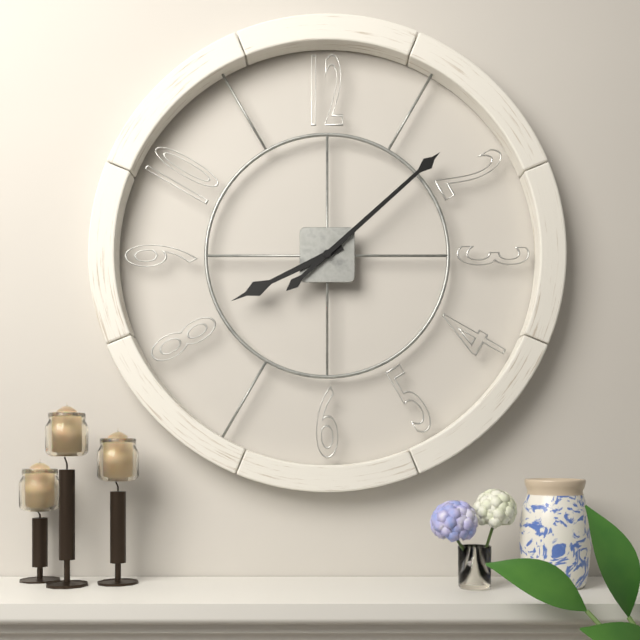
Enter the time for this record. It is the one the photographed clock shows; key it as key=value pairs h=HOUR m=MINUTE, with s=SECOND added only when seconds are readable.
h=8 m=8
